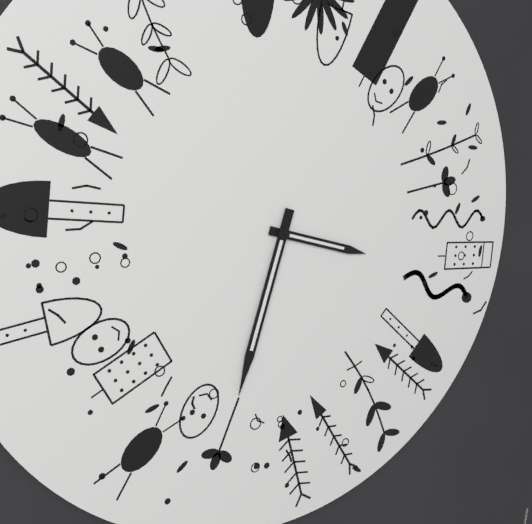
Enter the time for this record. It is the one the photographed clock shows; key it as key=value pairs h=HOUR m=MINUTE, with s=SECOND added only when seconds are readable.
h=3 m=33
